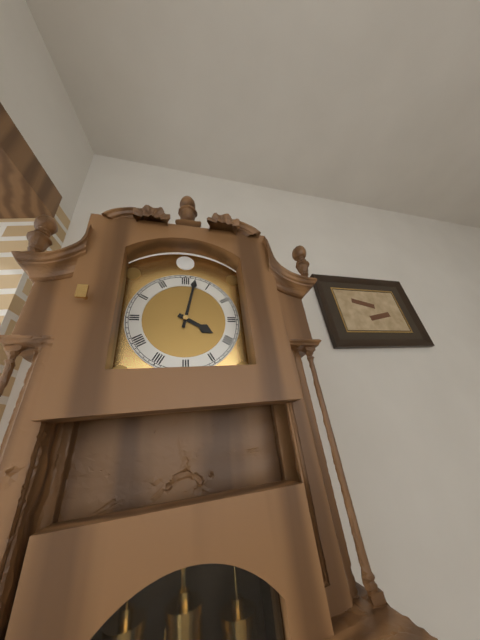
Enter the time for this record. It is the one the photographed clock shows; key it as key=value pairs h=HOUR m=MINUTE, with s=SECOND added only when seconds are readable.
h=4 m=2
